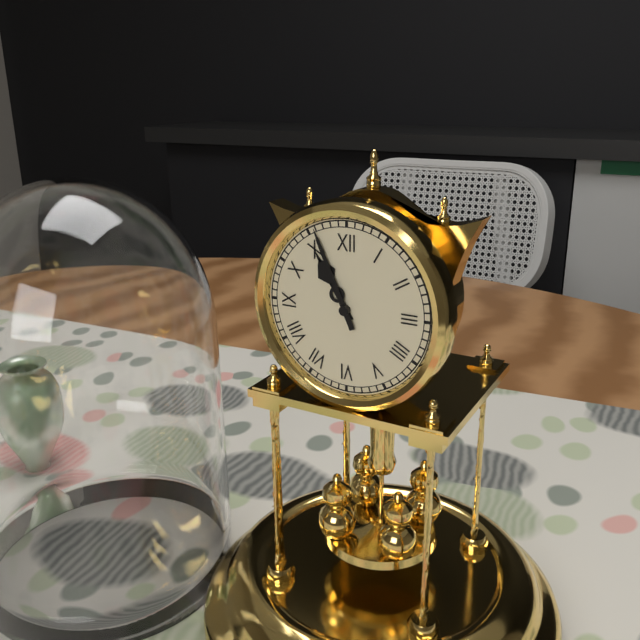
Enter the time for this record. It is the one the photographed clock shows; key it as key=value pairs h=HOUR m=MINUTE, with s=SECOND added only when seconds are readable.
h=10 m=56
